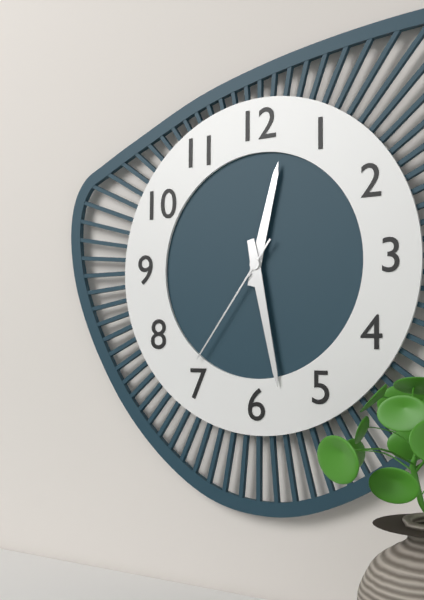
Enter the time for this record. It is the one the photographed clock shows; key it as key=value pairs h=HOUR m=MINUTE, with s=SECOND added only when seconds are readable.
h=12 m=28 s=36
